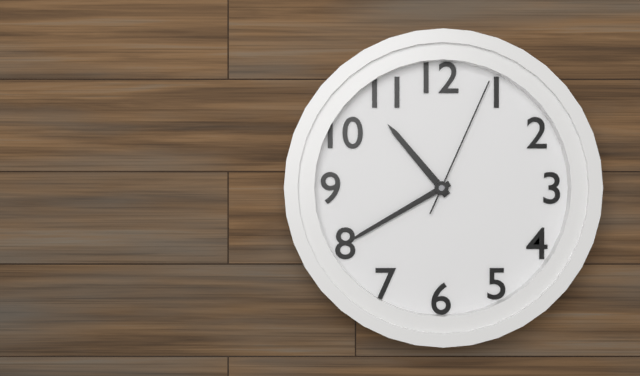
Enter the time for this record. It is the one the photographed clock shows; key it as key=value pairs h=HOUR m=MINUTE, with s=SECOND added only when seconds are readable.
h=10 m=40 s=4
